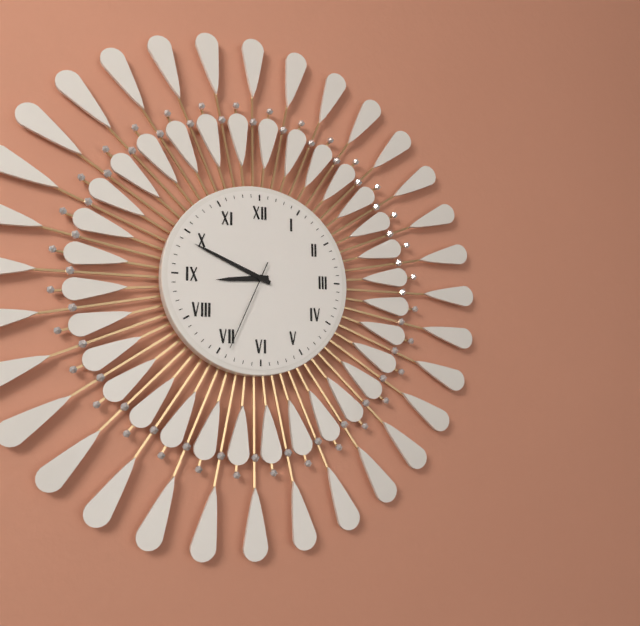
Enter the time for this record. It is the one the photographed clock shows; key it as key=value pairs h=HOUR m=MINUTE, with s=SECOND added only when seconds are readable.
h=8 m=49 s=34
